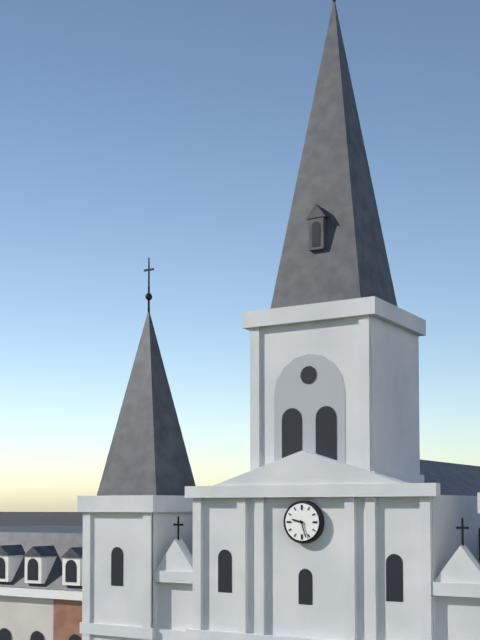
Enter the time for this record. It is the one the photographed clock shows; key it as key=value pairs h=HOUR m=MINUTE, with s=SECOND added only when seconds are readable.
h=9 m=27
